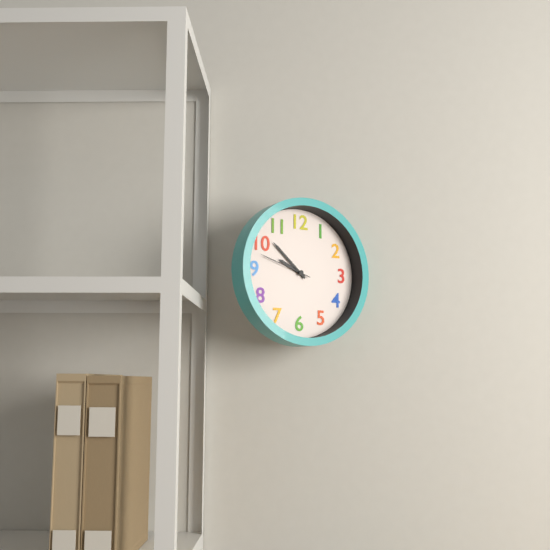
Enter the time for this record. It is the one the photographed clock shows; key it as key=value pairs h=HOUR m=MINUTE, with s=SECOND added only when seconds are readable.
h=9 m=52 s=48
